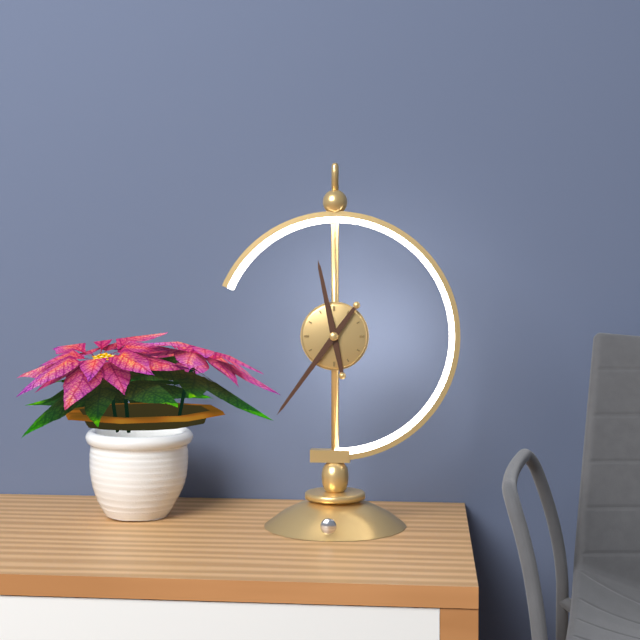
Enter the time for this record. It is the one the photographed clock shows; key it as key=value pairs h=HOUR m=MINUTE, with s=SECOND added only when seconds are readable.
h=11 m=36
